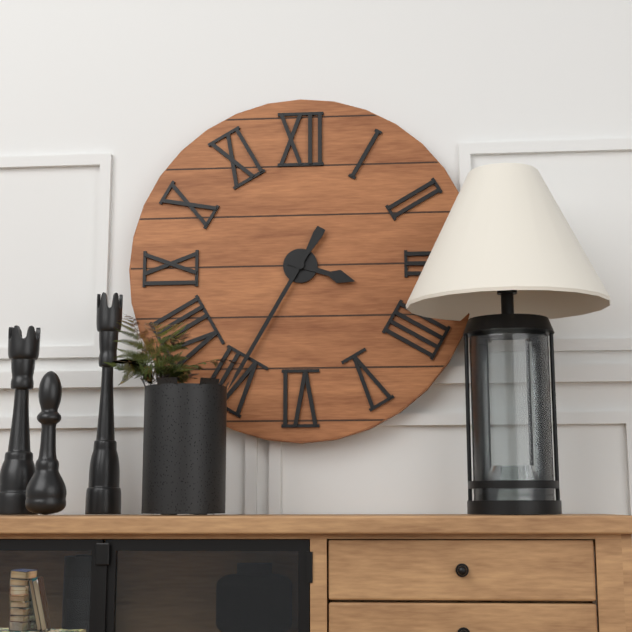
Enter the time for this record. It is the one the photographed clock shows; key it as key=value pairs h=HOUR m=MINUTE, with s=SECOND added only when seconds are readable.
h=3 m=35
